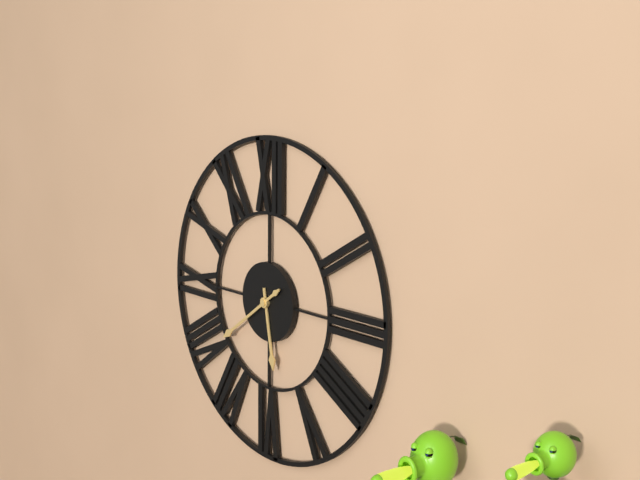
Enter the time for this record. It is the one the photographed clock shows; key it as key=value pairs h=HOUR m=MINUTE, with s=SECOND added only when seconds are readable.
h=5 m=39
